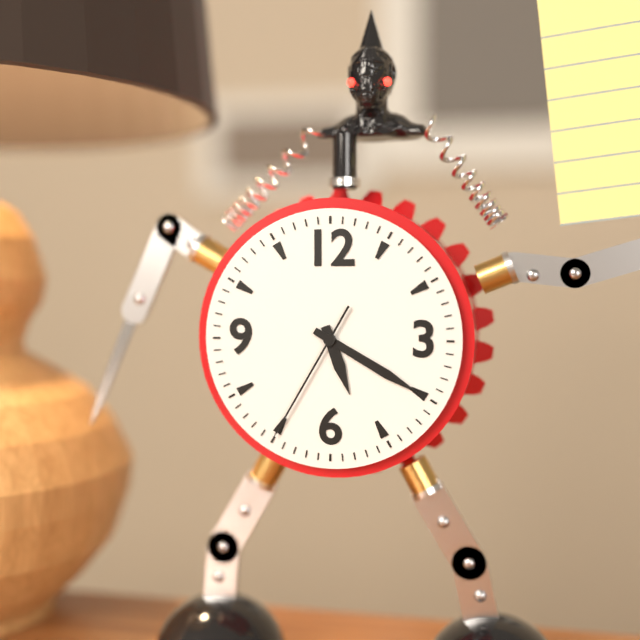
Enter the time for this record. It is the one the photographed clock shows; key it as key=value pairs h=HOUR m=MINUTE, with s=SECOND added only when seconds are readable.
h=5 m=20 s=35
